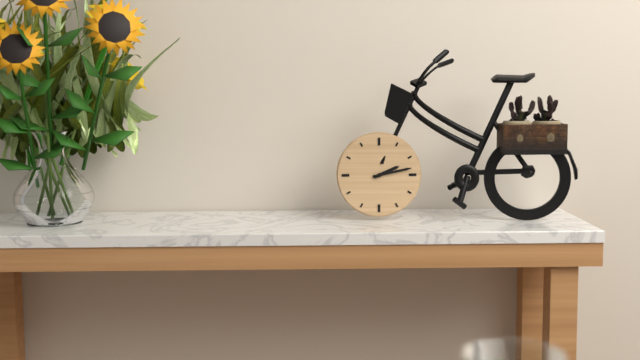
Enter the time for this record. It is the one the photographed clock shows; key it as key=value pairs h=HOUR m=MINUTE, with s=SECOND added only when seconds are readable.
h=2 m=13
